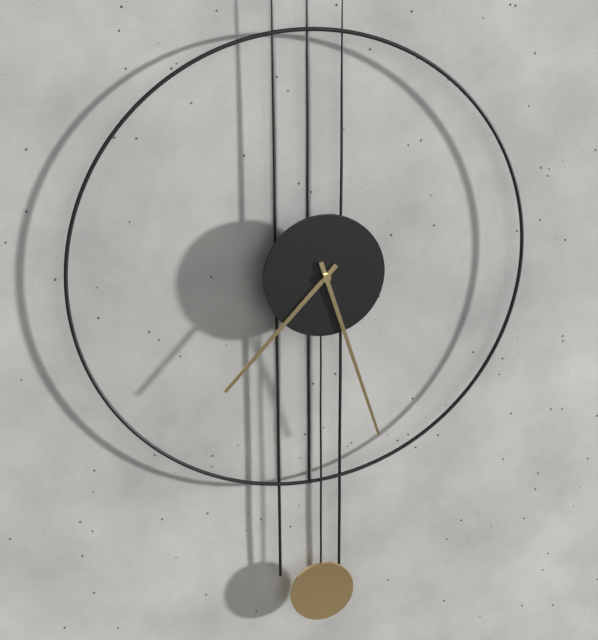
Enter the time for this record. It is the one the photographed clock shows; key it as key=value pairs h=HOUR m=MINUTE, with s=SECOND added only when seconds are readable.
h=7 m=27
